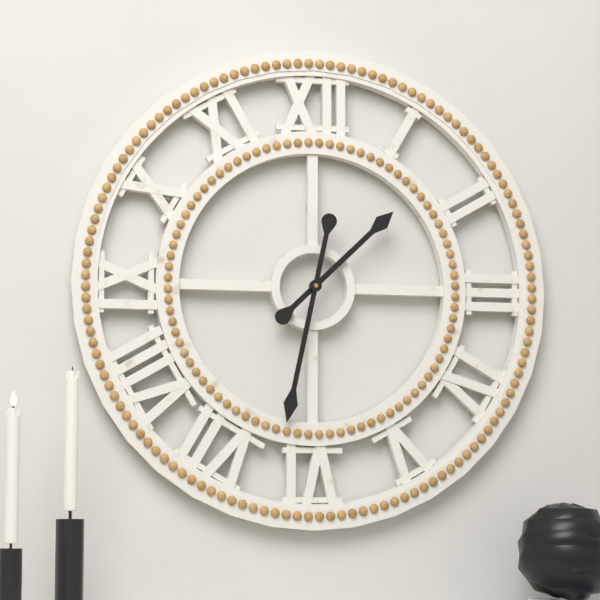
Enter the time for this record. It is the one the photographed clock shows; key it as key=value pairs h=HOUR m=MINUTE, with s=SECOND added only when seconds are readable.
h=1 m=32
